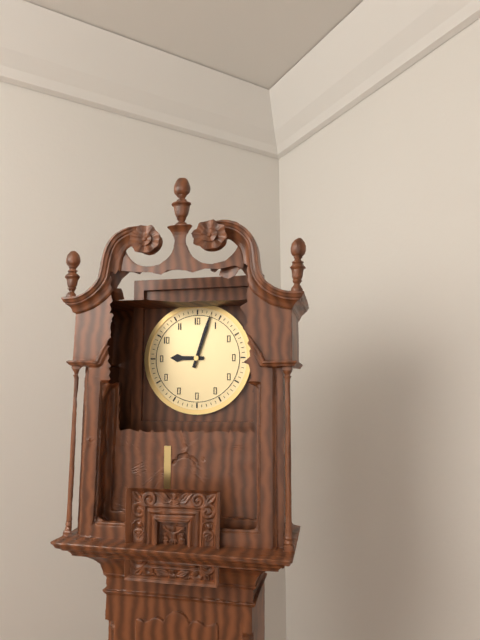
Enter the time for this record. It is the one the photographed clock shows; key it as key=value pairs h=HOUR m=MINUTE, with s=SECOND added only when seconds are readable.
h=9 m=3
